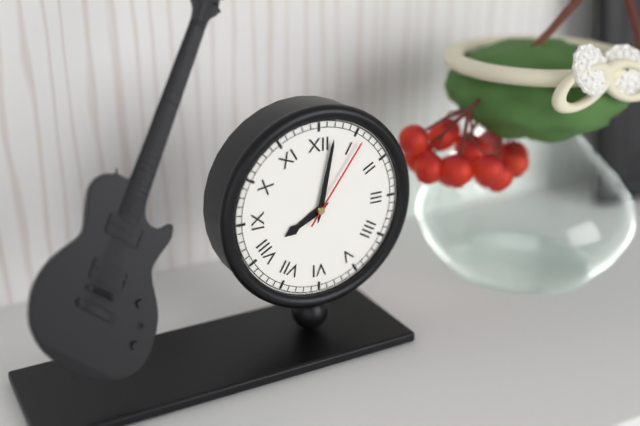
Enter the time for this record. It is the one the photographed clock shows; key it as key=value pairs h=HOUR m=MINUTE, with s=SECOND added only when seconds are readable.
h=8 m=2 s=6
